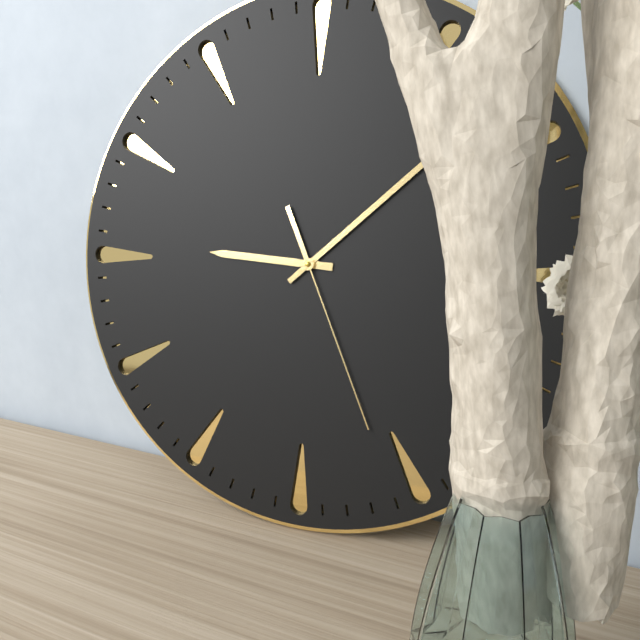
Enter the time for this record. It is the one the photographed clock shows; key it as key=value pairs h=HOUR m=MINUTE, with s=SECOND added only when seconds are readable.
h=9 m=8 s=26
